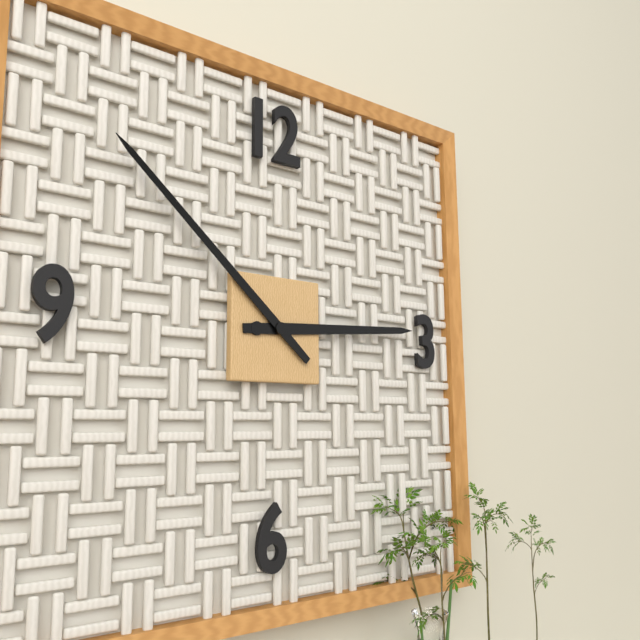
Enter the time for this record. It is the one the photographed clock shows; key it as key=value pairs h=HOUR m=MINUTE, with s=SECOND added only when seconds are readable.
h=2 m=52
